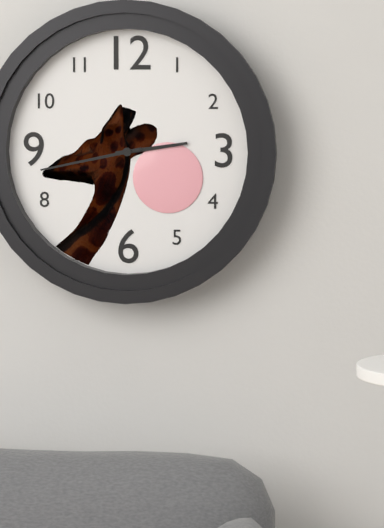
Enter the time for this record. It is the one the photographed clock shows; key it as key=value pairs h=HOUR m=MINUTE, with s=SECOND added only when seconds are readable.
h=2 m=43
